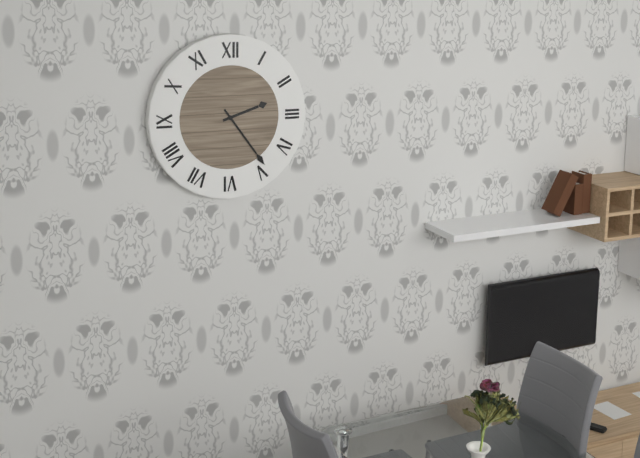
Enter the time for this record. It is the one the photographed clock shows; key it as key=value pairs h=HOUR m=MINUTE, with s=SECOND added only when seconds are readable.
h=2 m=24
